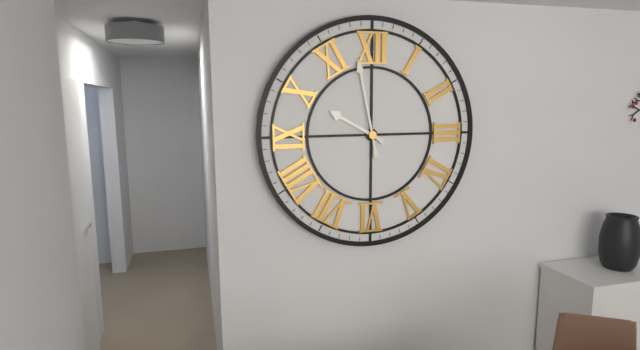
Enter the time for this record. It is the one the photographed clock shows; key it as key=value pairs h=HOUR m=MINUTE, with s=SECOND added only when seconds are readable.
h=9 m=58
